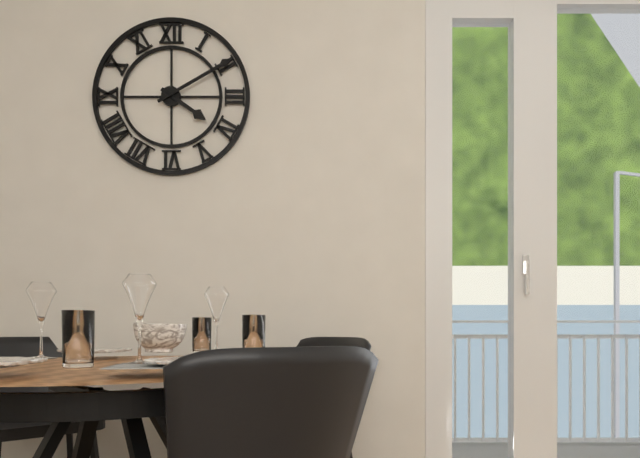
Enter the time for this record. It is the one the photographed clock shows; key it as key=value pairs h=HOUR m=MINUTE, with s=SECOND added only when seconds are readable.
h=4 m=10
